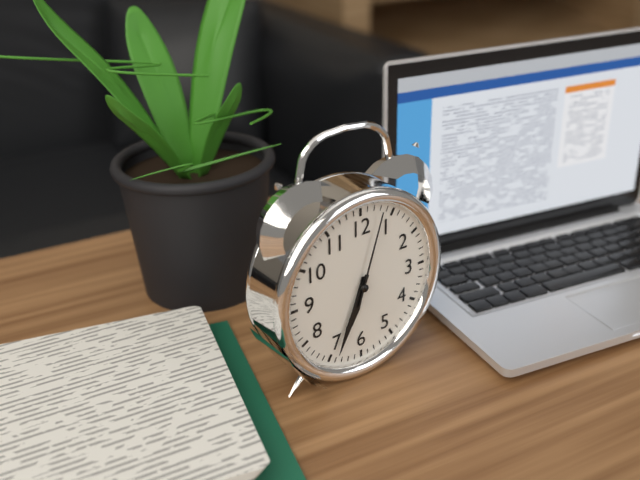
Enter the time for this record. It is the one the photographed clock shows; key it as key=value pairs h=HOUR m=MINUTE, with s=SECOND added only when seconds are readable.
h=6 m=34 s=3
